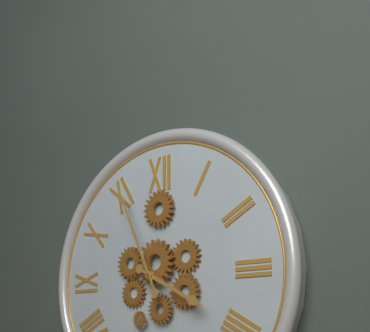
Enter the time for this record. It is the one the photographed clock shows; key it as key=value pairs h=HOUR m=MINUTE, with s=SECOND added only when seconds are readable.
h=3 m=56
